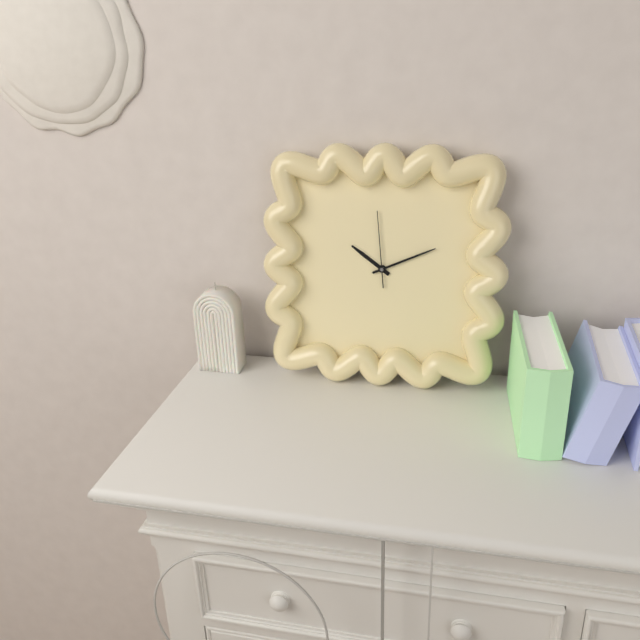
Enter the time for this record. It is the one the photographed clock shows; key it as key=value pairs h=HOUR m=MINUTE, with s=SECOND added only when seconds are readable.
h=10 m=11 s=59
